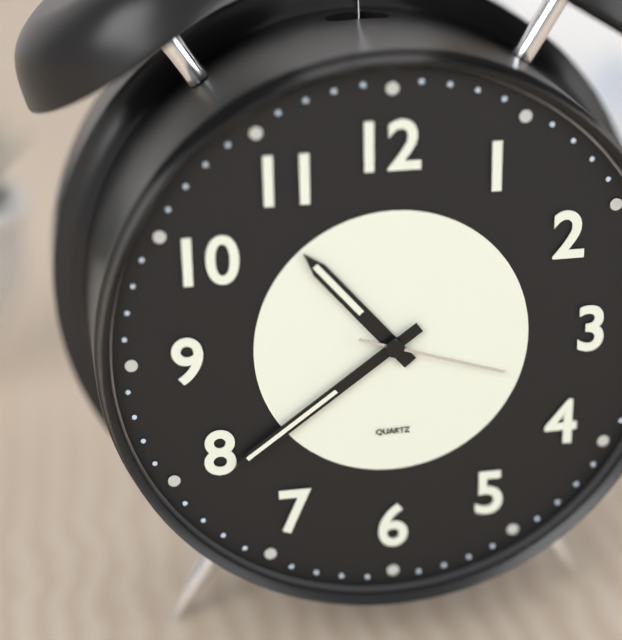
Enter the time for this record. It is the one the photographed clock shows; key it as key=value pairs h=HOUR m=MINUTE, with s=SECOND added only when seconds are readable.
h=10 m=39 s=18
